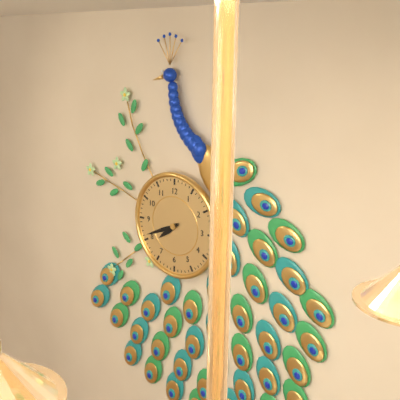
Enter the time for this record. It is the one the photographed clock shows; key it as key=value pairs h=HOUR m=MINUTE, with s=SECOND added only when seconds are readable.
h=7 m=41
